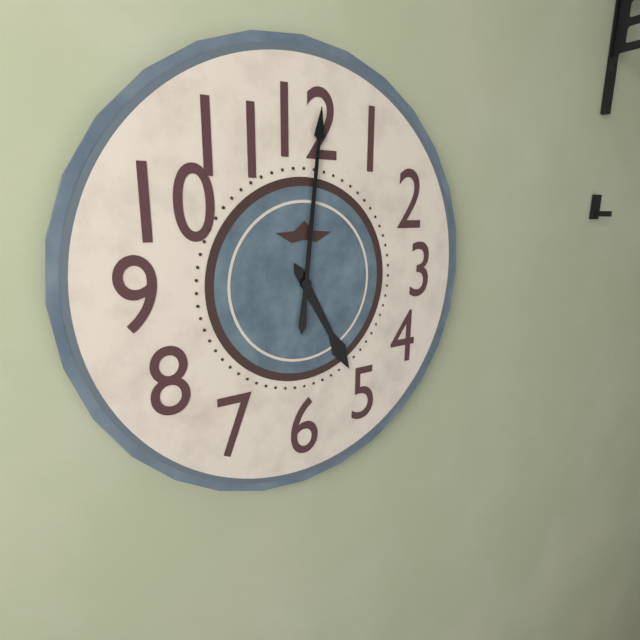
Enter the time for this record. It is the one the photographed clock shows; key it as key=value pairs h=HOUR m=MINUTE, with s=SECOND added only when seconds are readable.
h=5 m=1
